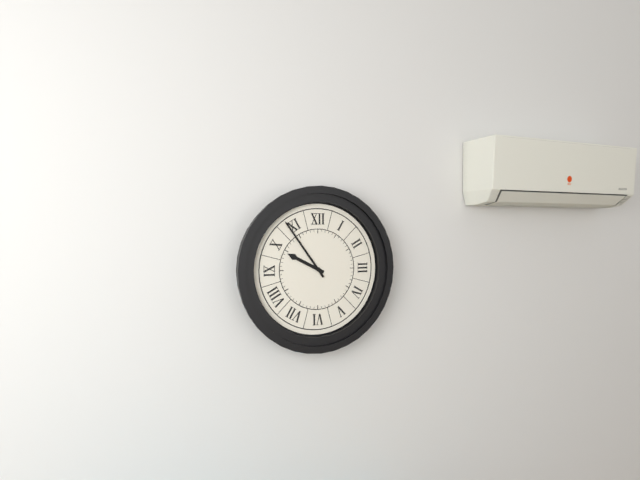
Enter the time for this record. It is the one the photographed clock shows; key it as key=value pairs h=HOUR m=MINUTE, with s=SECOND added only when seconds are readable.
h=9 m=54
